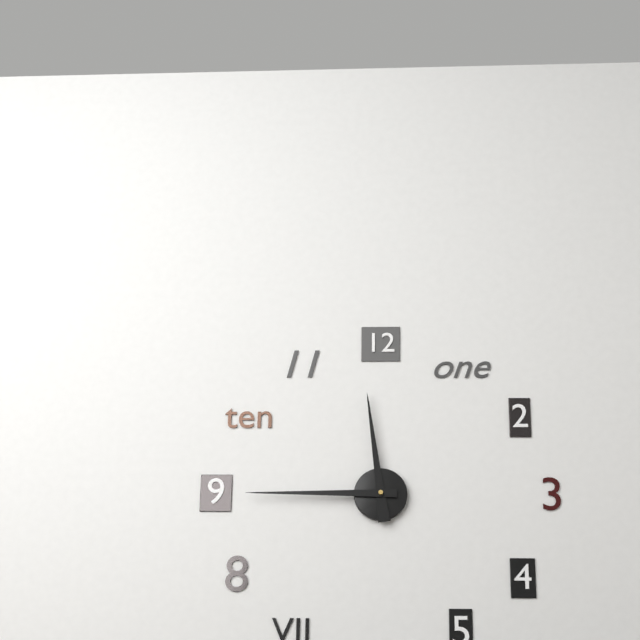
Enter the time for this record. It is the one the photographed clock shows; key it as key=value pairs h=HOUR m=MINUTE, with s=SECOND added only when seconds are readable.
h=11 m=45
